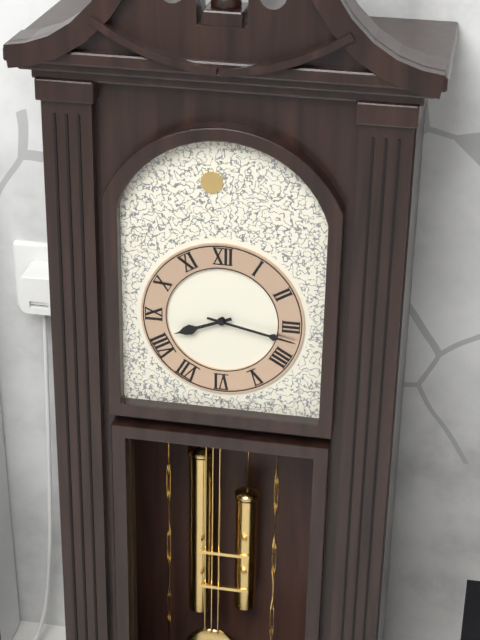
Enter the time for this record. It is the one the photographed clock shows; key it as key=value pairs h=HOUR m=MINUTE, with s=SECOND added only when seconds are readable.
h=8 m=17
